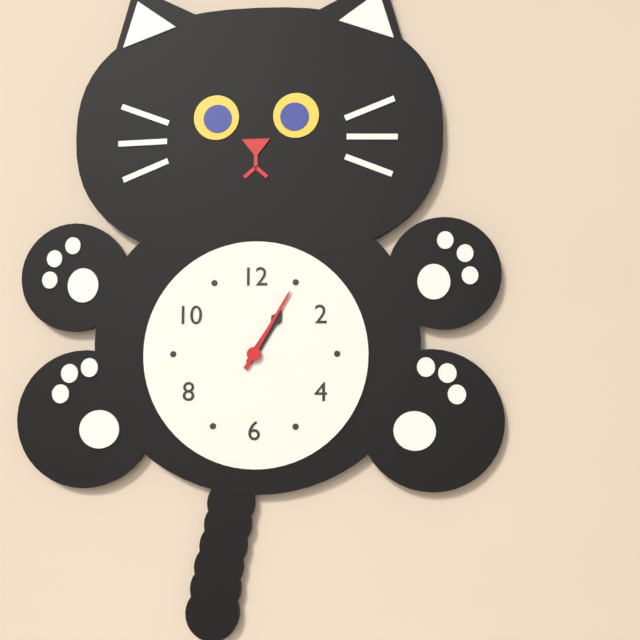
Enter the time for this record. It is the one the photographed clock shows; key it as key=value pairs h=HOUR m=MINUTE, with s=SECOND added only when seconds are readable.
h=1 m=5
